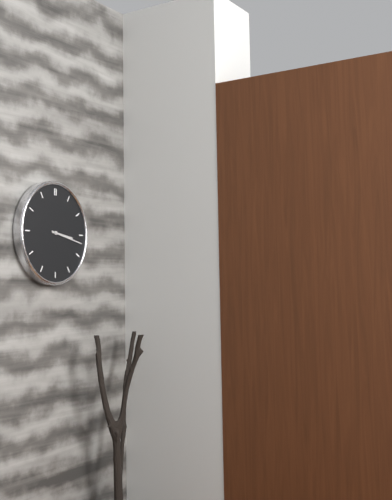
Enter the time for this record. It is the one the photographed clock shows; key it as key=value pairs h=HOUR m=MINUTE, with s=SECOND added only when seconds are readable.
h=3 m=17
